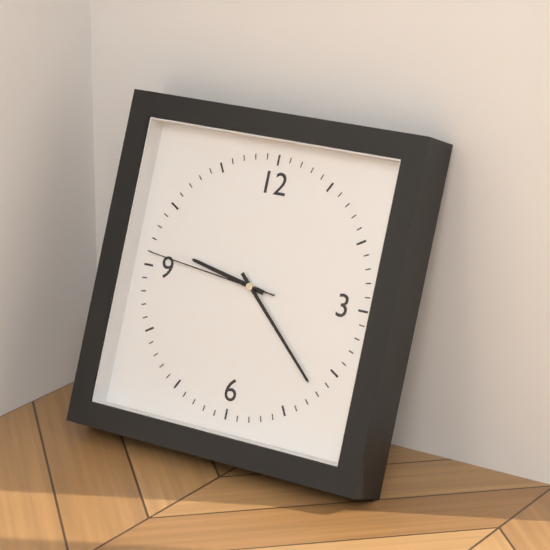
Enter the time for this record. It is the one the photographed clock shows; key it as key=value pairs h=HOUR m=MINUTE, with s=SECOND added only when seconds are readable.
h=9 m=22 s=46
